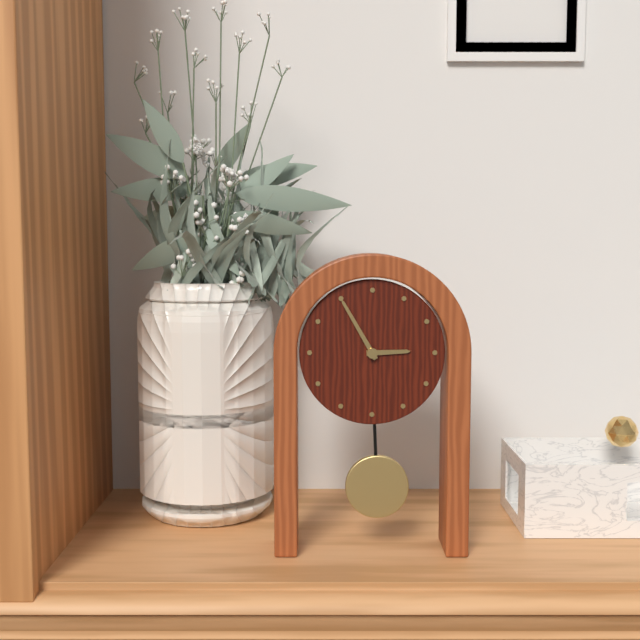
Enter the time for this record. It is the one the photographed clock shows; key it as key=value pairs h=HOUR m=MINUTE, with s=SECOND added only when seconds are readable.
h=2 m=55
